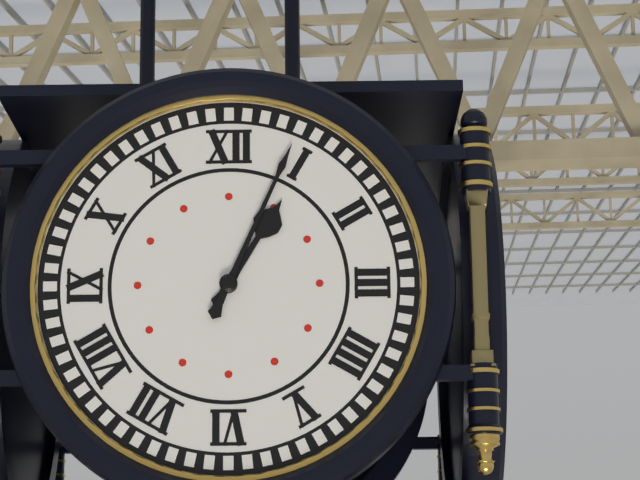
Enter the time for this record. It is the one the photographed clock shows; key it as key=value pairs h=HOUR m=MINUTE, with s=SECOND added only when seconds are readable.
h=1 m=4
